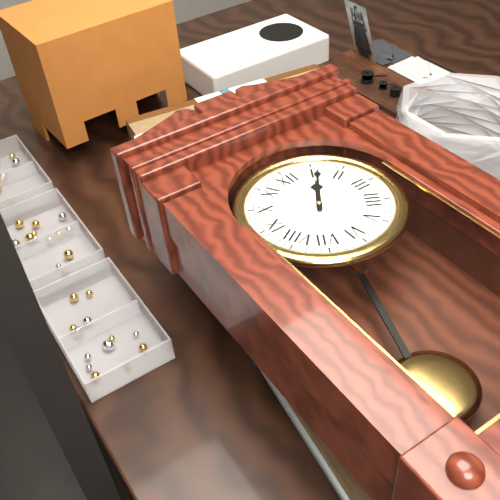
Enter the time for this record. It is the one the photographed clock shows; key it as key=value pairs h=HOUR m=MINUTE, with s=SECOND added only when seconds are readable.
h=1 m=6
